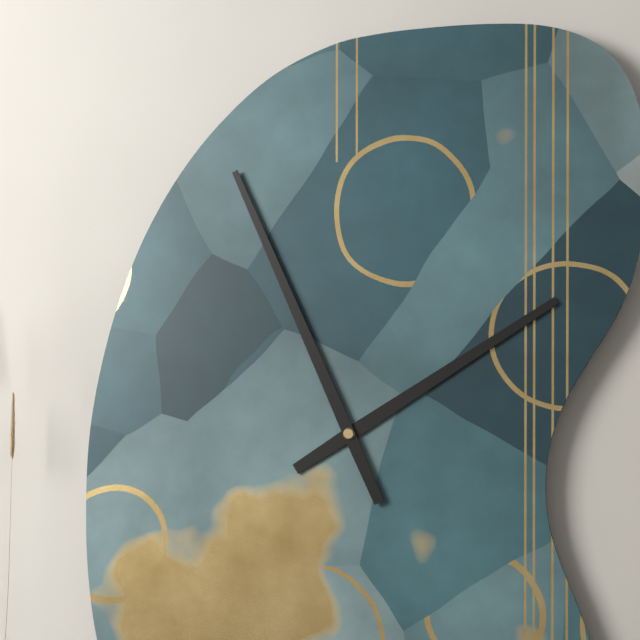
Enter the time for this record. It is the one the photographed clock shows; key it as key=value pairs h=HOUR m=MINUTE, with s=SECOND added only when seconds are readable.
h=1 m=56
